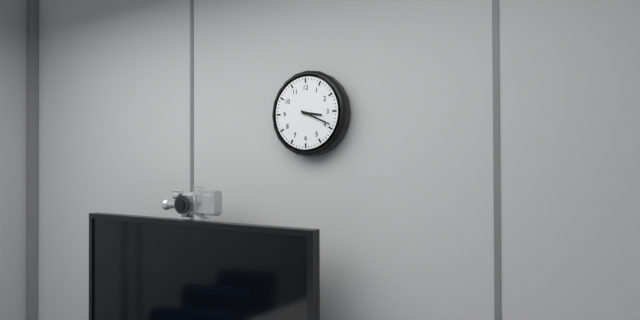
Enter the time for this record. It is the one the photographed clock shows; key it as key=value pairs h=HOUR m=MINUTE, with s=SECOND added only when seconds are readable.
h=3 m=19
